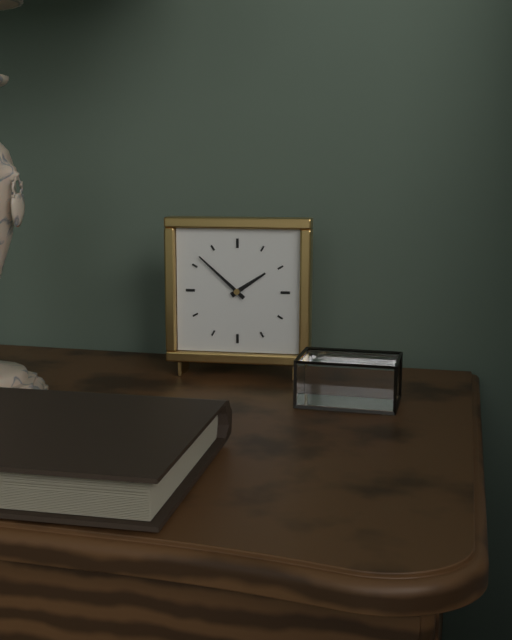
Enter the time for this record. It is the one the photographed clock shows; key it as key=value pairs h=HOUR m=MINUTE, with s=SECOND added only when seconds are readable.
h=1 m=52
